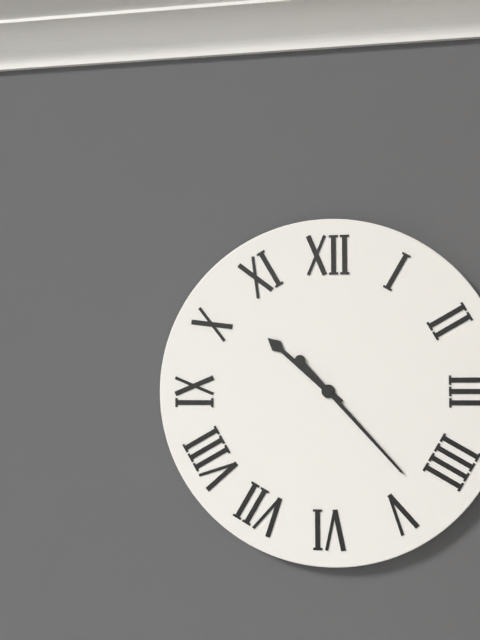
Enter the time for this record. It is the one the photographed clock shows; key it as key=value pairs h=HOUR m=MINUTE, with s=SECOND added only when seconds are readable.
h=10 m=23
